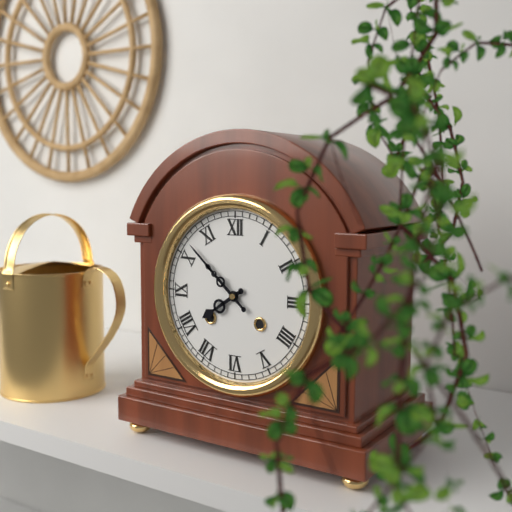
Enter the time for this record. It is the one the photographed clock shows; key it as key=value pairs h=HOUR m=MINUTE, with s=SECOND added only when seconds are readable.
h=7 m=52
